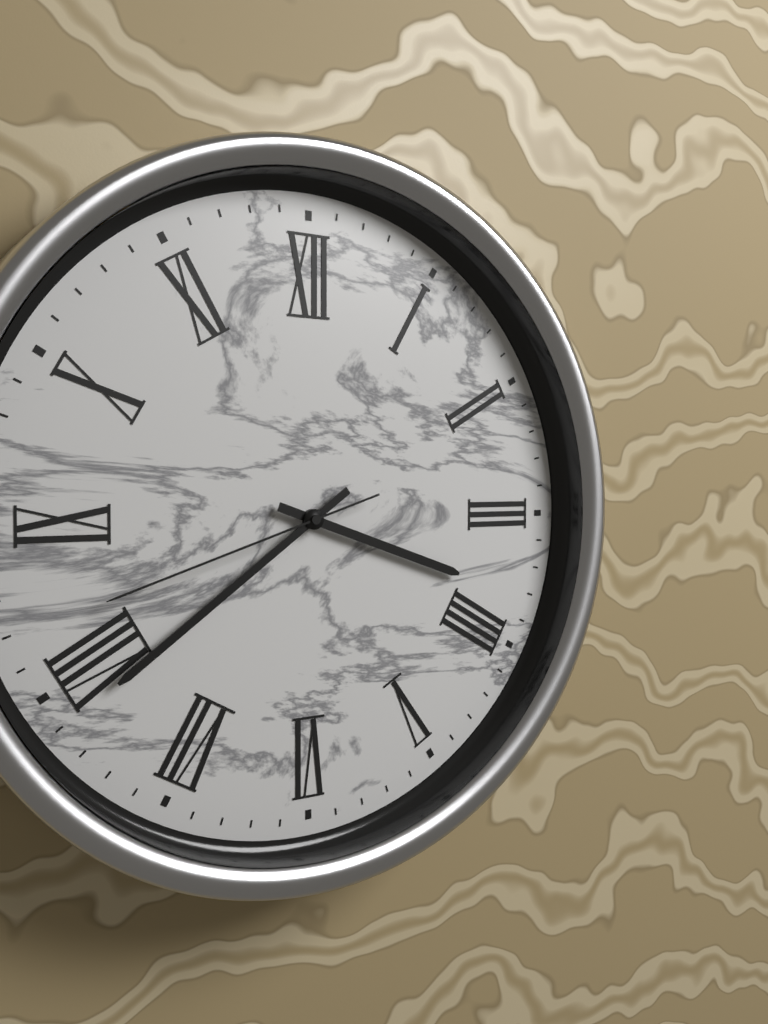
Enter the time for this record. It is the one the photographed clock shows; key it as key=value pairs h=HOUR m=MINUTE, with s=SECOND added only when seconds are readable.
h=3 m=39 s=42
